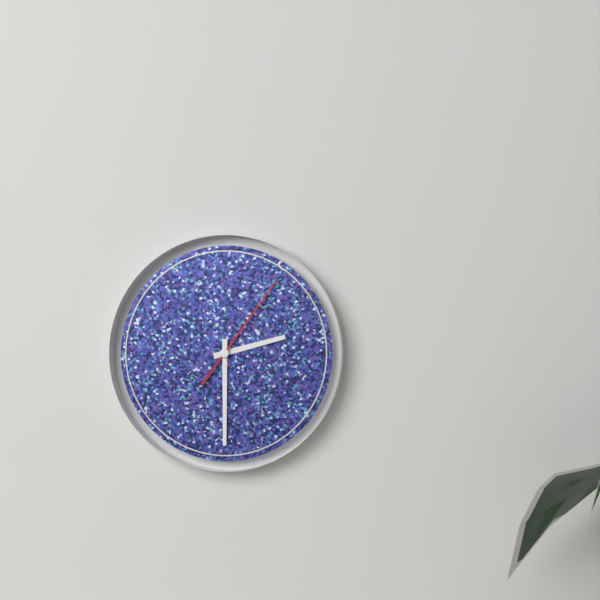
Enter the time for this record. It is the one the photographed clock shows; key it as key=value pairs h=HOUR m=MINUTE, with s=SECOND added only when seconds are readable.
h=2 m=30 s=6
